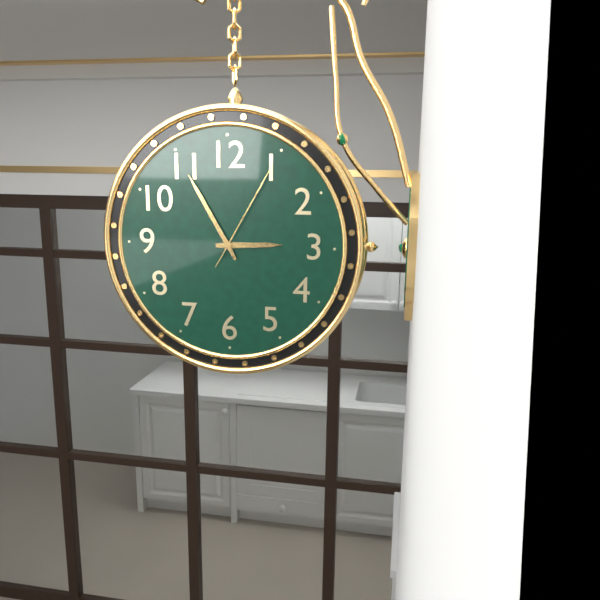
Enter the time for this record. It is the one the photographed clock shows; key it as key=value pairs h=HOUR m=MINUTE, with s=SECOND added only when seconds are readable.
h=2 m=55 s=5
